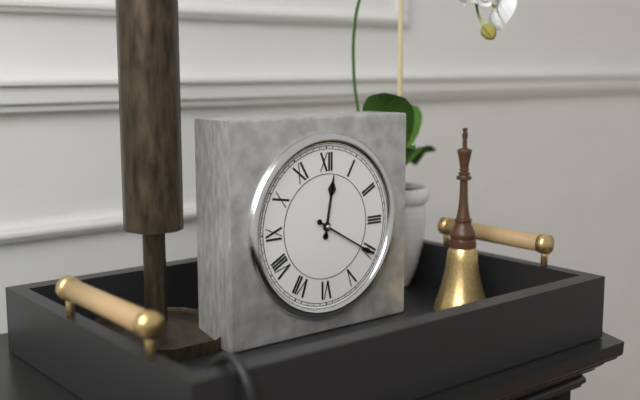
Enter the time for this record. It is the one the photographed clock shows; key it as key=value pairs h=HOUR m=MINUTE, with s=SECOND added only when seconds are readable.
h=12 m=20
